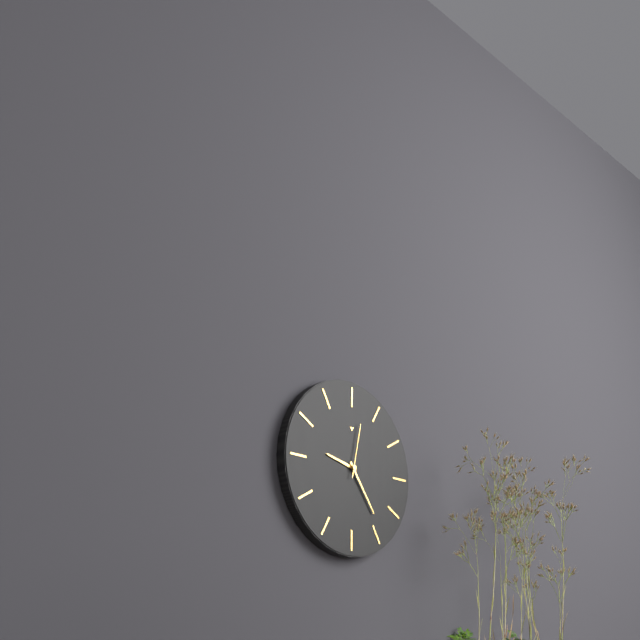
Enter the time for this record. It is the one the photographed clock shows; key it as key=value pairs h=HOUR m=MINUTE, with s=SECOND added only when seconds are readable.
h=9 m=24 s=2
